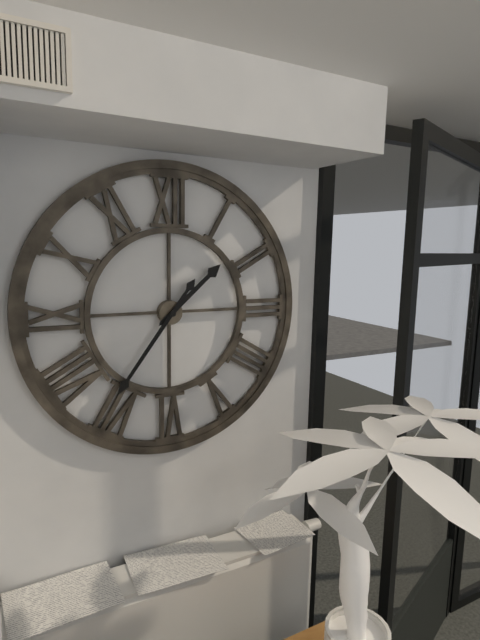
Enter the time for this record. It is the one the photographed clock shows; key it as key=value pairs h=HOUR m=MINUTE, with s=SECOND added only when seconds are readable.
h=1 m=36
